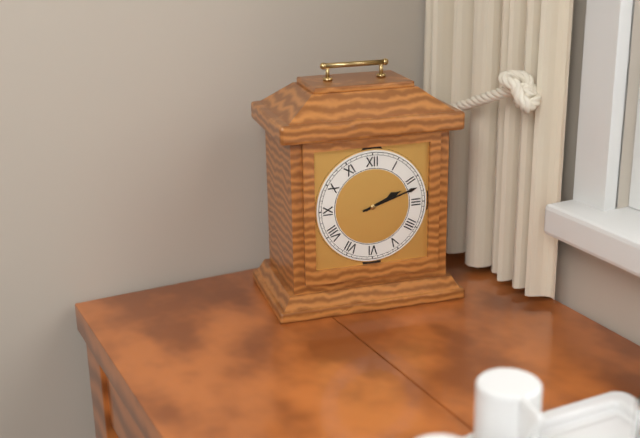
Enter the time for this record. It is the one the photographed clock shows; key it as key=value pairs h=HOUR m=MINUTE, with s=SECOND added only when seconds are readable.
h=2 m=12
